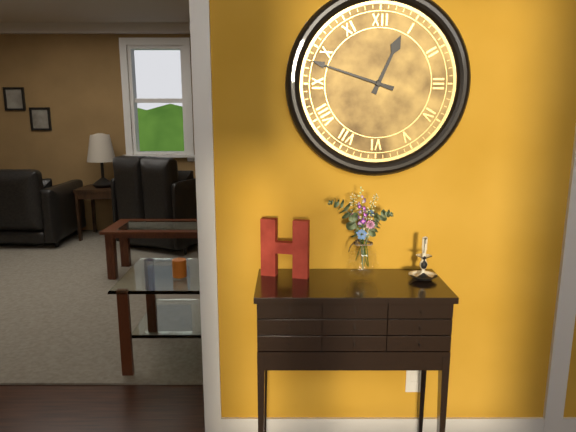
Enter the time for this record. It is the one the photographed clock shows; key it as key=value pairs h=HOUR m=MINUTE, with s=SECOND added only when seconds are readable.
h=12 m=48
